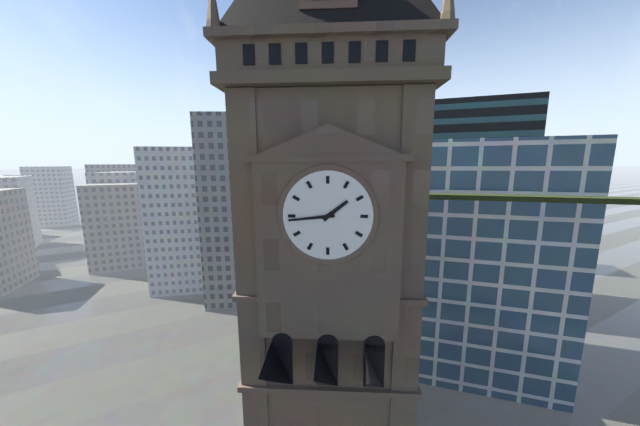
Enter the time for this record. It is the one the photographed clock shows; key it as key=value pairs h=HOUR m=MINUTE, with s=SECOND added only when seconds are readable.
h=1 m=44
